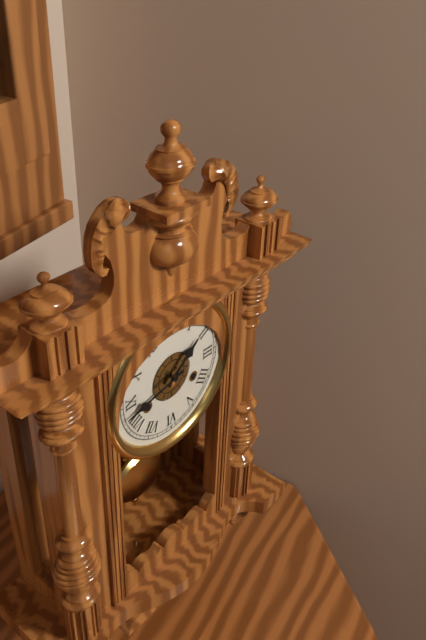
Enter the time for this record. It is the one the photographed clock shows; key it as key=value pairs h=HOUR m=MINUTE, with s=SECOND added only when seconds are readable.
h=1 m=43
